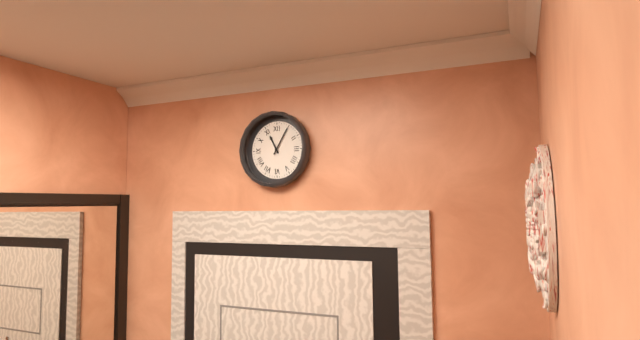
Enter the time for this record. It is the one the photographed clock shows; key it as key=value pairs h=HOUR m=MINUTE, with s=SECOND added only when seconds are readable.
h=11 m=5
